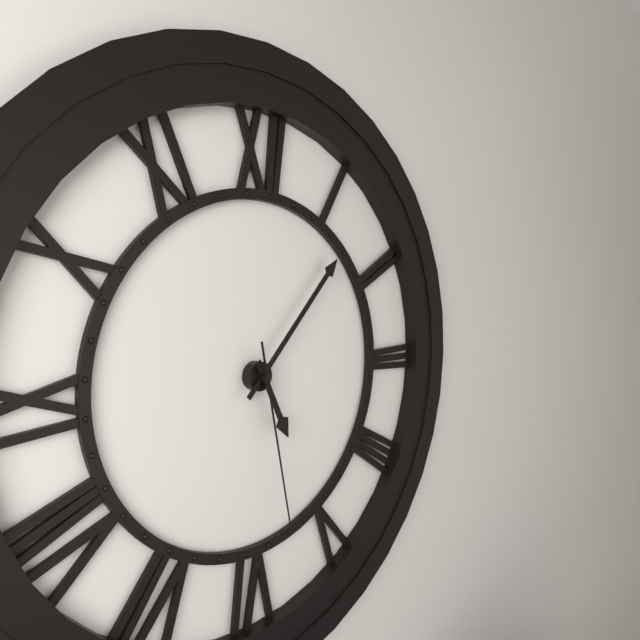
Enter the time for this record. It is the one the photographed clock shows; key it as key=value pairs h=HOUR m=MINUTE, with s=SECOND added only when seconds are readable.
h=5 m=7 s=28
